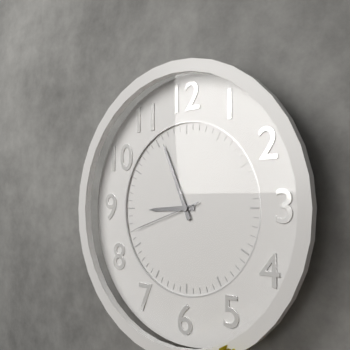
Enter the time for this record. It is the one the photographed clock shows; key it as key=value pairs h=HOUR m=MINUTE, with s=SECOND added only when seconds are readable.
h=8 m=56 s=42
